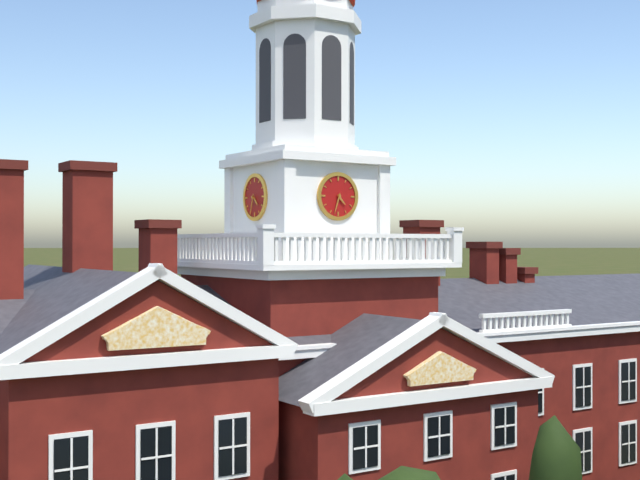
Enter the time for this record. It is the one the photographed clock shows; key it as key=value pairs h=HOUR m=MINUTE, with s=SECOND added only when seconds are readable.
h=4 m=33
